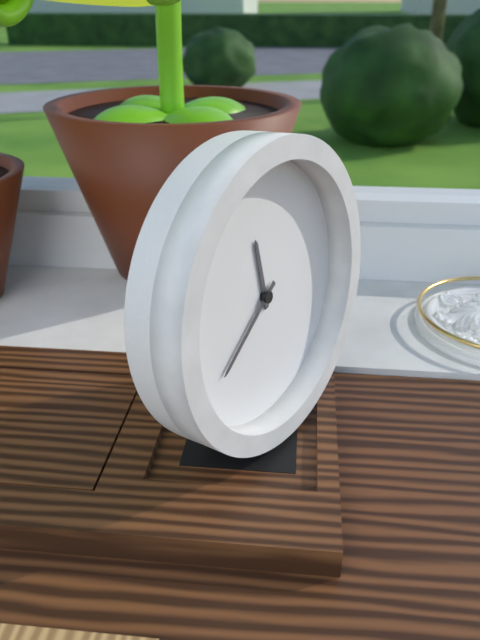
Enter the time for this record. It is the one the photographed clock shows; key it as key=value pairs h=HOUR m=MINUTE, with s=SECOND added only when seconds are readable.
h=11 m=39
